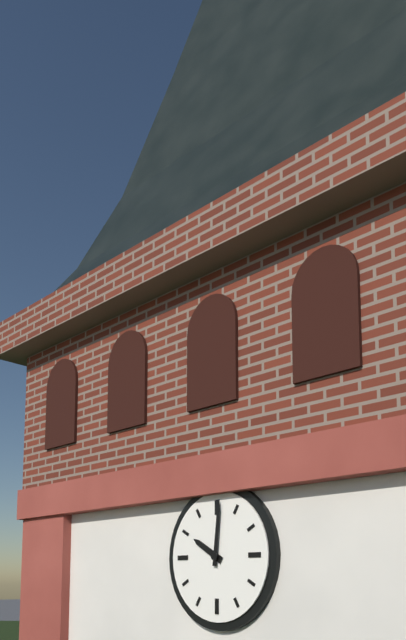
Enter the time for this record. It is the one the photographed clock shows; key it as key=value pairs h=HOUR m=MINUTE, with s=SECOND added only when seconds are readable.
h=10 m=1
